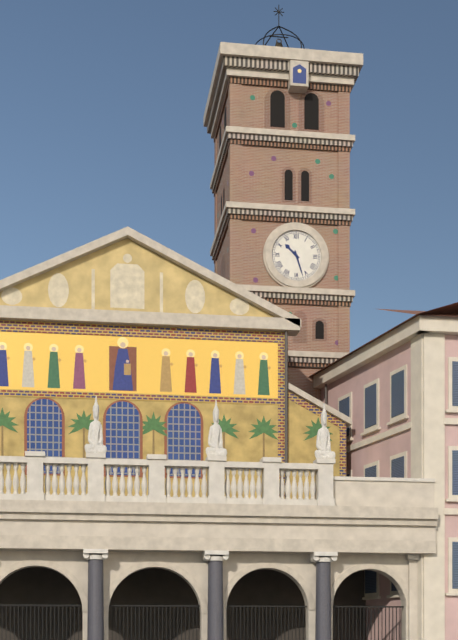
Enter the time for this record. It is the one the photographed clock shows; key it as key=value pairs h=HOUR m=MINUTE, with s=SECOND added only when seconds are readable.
h=10 m=27
